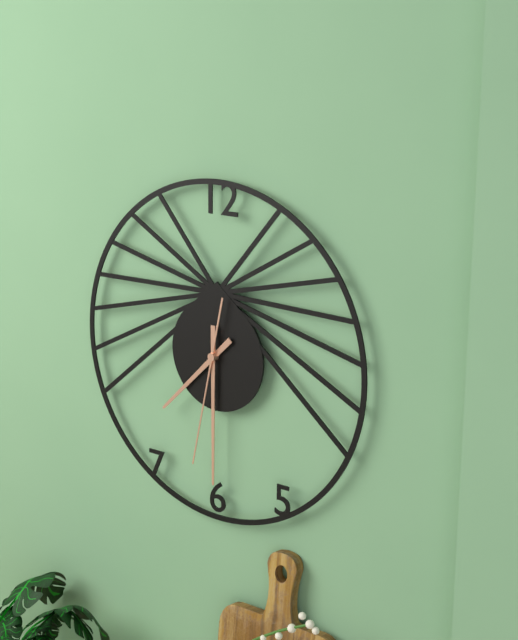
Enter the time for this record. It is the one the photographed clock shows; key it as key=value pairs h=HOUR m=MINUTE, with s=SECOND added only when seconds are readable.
h=7 m=30 s=32
